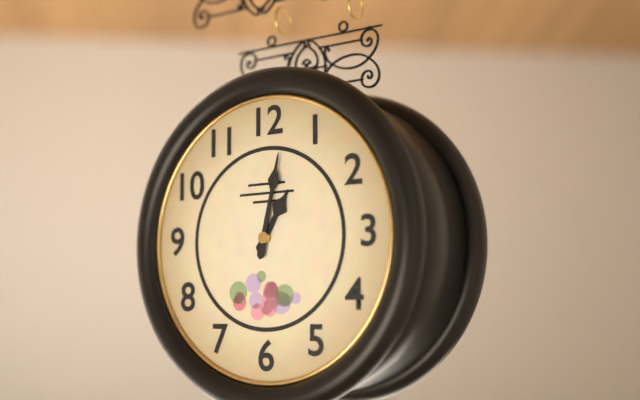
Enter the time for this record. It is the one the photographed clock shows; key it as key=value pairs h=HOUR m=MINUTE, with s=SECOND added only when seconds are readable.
h=1 m=2
